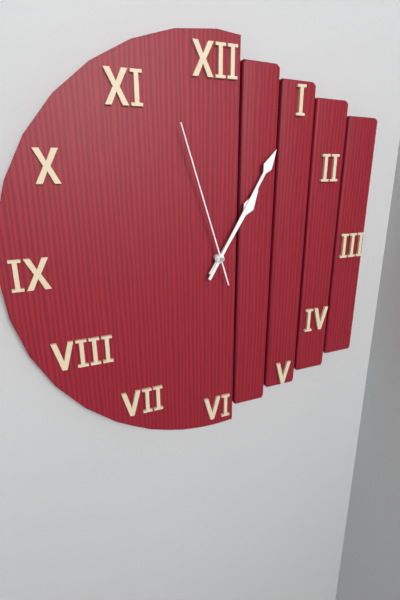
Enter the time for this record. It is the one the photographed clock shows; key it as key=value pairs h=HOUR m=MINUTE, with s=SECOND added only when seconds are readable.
h=1 m=5 s=57
